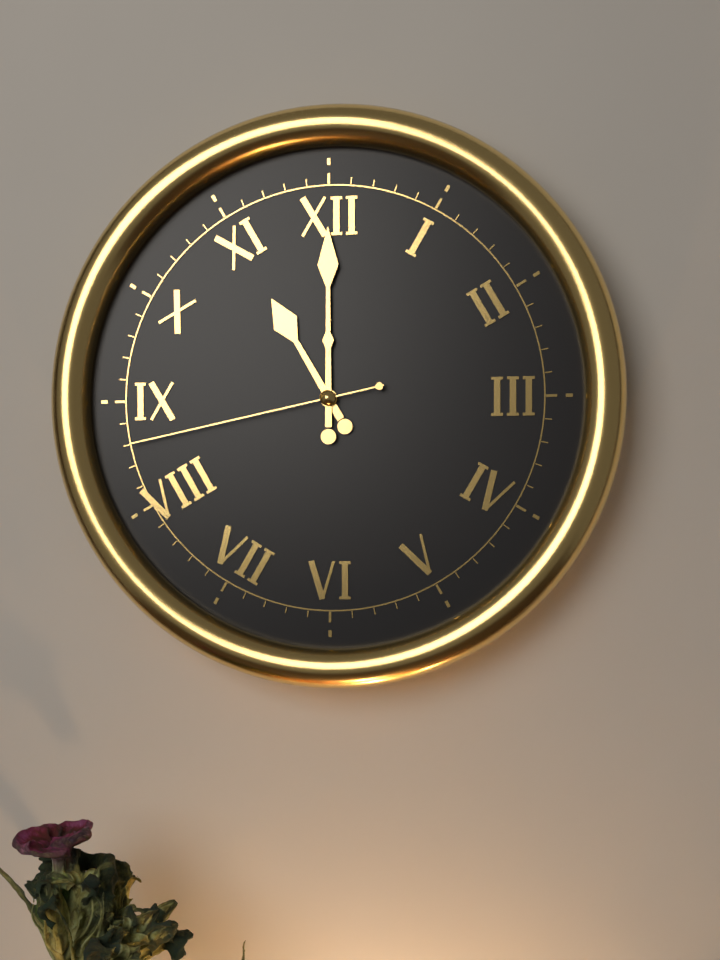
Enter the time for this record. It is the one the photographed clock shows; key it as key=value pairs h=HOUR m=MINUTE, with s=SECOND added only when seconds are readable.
h=11 m=0 s=43
